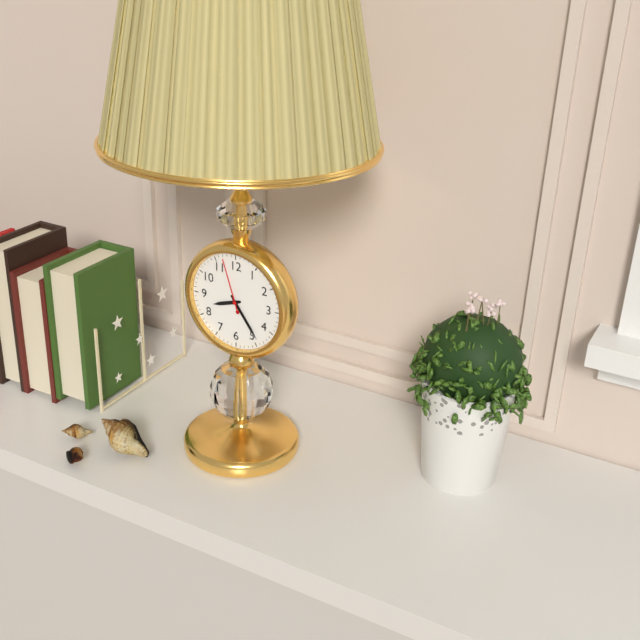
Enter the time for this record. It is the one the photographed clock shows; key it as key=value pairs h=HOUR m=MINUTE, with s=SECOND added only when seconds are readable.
h=8 m=24 s=57
